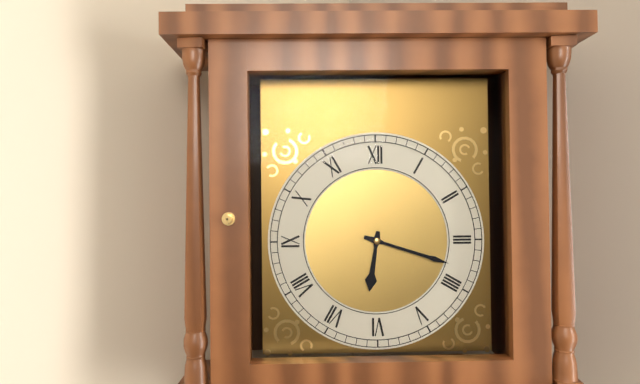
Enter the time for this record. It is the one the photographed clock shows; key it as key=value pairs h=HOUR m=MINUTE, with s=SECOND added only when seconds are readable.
h=6 m=18
